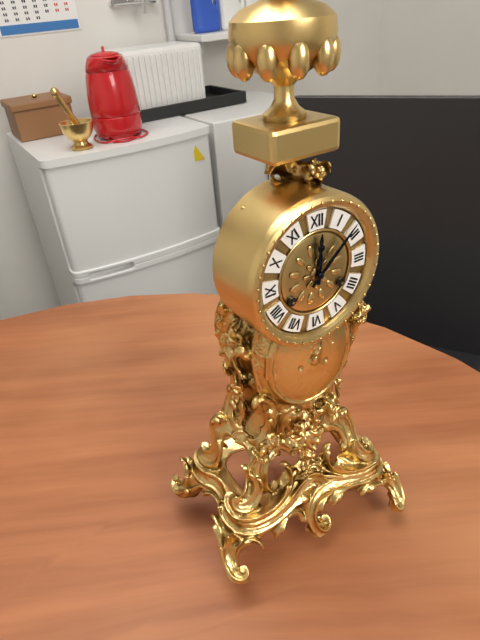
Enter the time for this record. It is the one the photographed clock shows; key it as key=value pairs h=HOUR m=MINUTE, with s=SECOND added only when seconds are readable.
h=12 m=8
